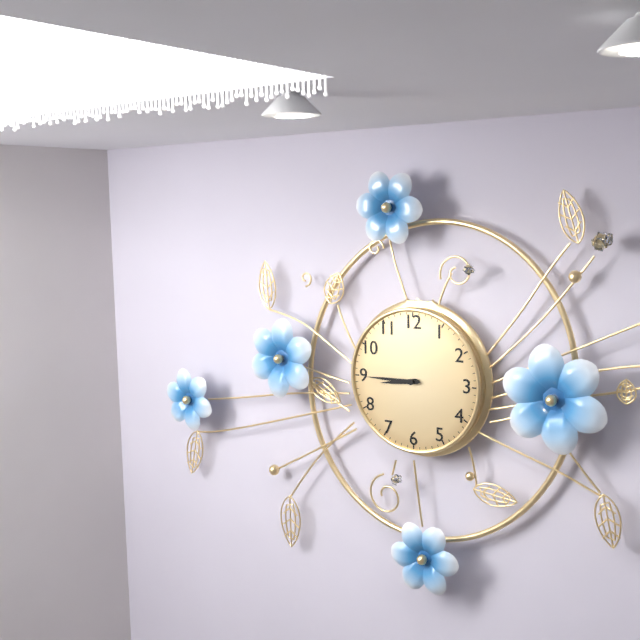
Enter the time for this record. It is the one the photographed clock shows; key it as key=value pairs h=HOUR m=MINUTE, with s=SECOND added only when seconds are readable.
h=8 m=45
